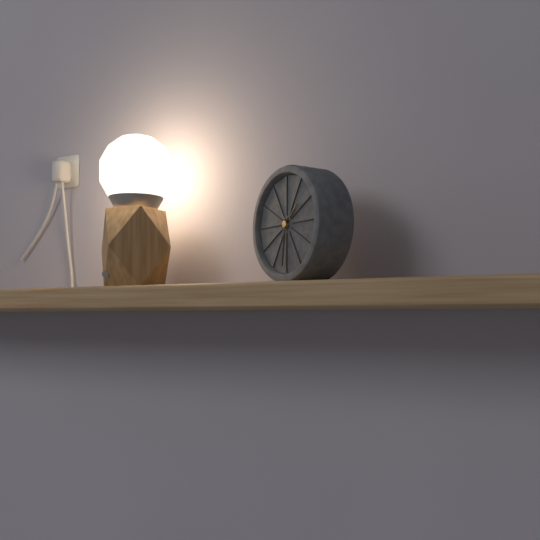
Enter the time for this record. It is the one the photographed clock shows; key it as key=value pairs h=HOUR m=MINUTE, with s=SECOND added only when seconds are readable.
h=1 m=31
